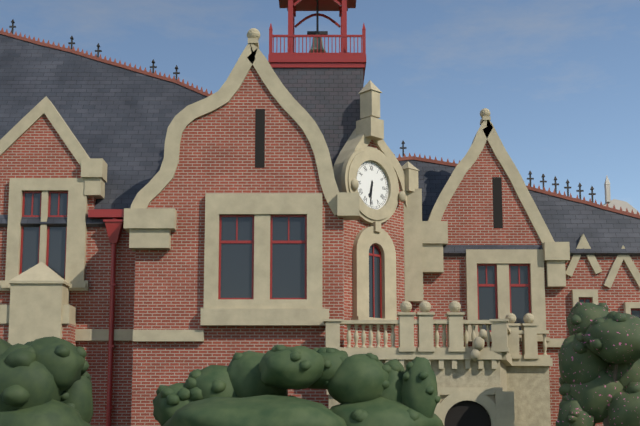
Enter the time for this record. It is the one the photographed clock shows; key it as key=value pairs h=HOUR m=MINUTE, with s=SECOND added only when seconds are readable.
h=6 m=31
